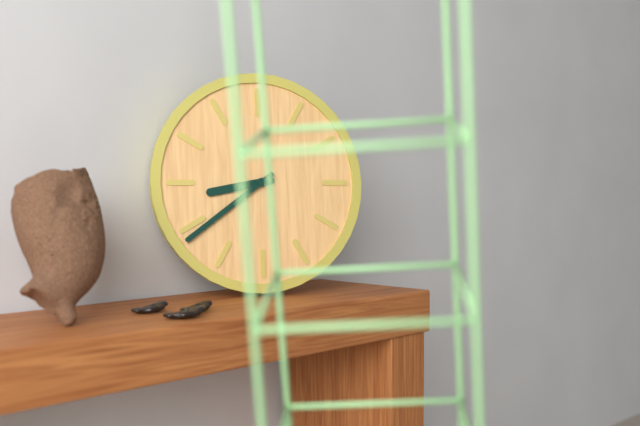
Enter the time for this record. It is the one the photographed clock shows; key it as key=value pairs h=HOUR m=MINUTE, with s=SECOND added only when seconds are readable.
h=8 m=39
